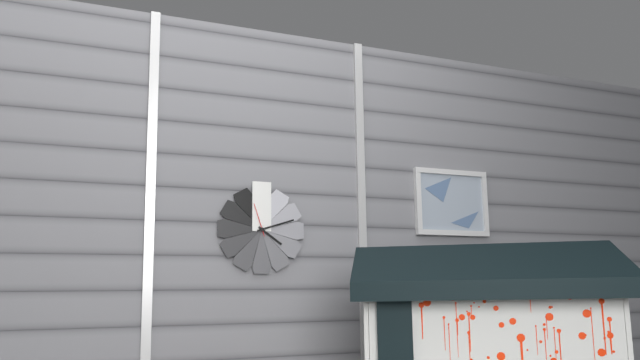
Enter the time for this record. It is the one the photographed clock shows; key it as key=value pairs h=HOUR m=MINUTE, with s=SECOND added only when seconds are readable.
h=4 m=12
